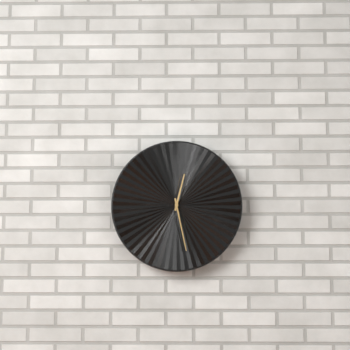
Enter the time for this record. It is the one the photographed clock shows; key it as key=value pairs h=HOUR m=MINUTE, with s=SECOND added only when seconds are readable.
h=12 m=28
